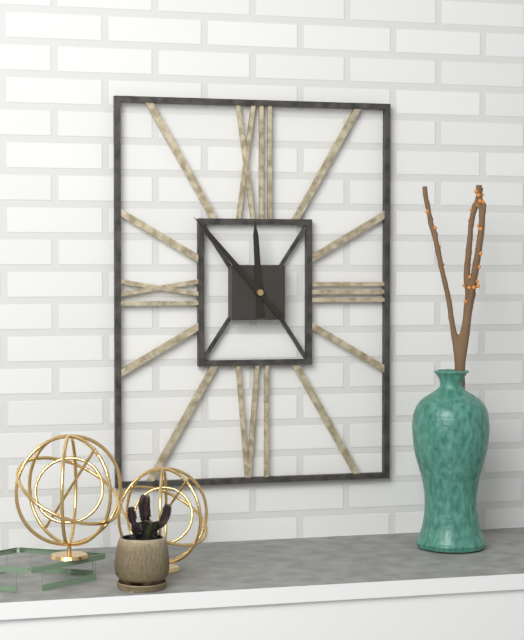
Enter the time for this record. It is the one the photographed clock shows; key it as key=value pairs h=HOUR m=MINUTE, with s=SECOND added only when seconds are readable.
h=11 m=53
